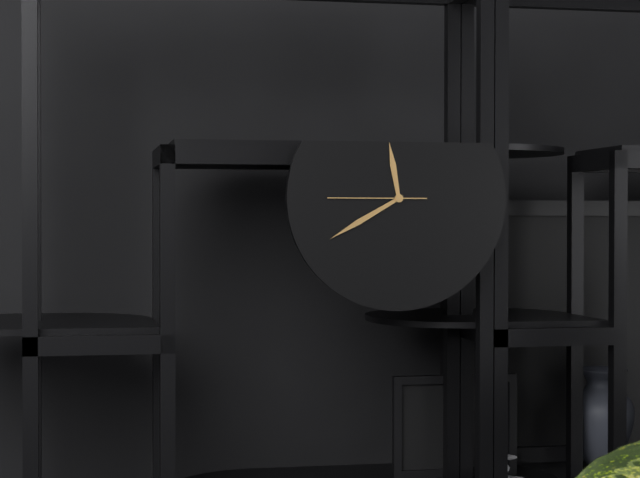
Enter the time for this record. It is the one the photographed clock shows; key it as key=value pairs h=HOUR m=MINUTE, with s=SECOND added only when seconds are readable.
h=11 m=40 s=45
